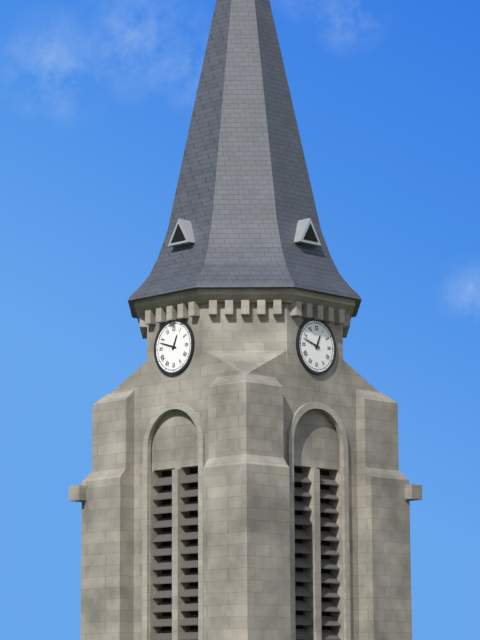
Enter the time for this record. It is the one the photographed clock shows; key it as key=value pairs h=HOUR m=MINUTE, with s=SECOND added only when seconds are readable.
h=12 m=48
